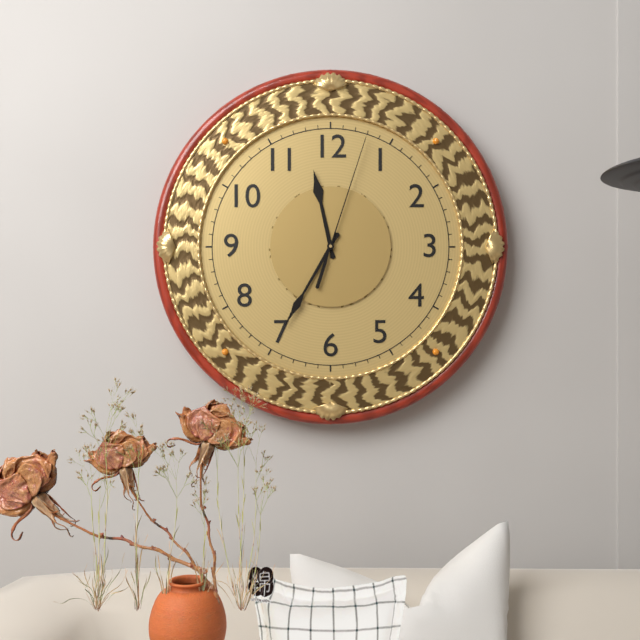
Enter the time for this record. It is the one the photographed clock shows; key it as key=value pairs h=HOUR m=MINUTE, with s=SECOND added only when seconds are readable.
h=11 m=35 s=3
